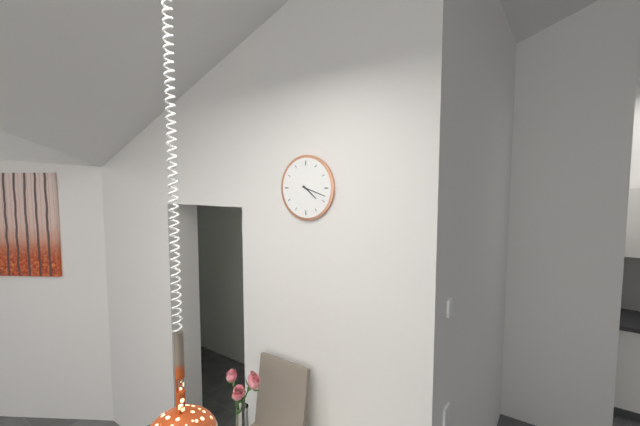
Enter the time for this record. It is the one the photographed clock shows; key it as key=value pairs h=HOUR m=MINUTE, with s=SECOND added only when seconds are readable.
h=4 m=18
